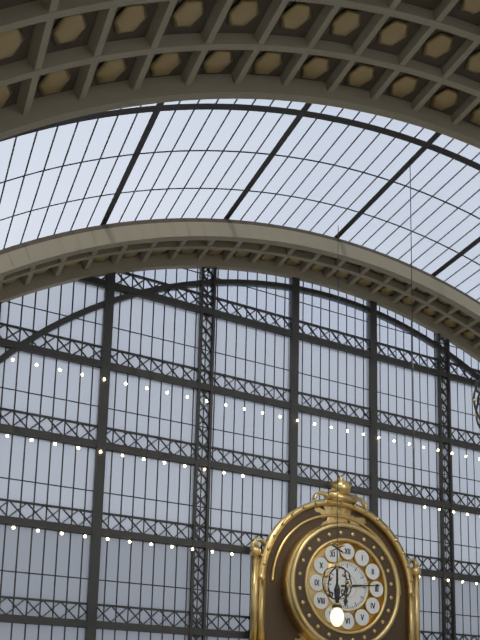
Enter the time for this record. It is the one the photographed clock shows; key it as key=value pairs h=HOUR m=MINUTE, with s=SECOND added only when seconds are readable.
h=6 m=14
